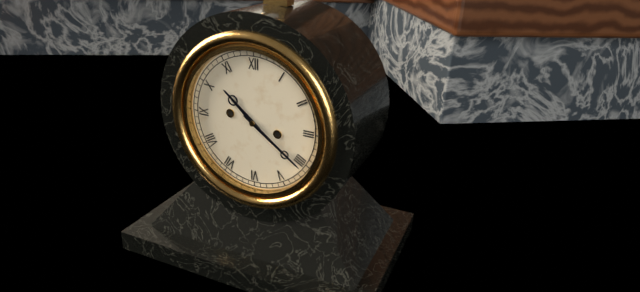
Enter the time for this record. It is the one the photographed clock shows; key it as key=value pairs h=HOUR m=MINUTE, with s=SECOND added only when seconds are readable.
h=10 m=21
